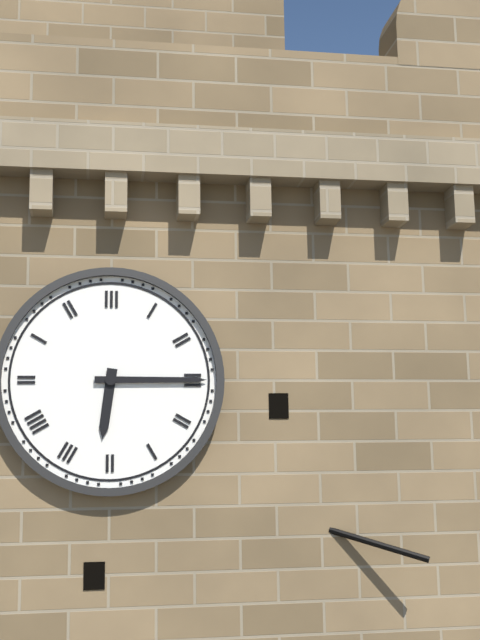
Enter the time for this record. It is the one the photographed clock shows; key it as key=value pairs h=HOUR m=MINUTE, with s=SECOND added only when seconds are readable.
h=6 m=15
